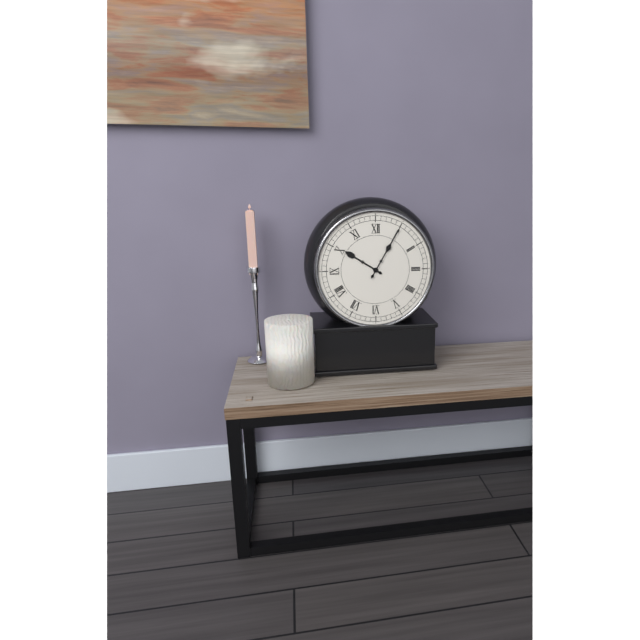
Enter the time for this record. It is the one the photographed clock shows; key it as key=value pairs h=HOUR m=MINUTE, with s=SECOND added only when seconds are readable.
h=10 m=5
